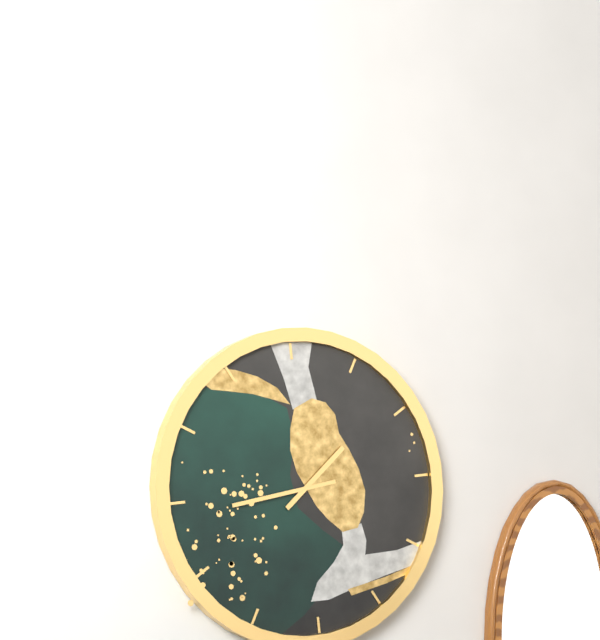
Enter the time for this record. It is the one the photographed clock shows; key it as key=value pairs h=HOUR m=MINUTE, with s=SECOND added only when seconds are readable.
h=1 m=44
